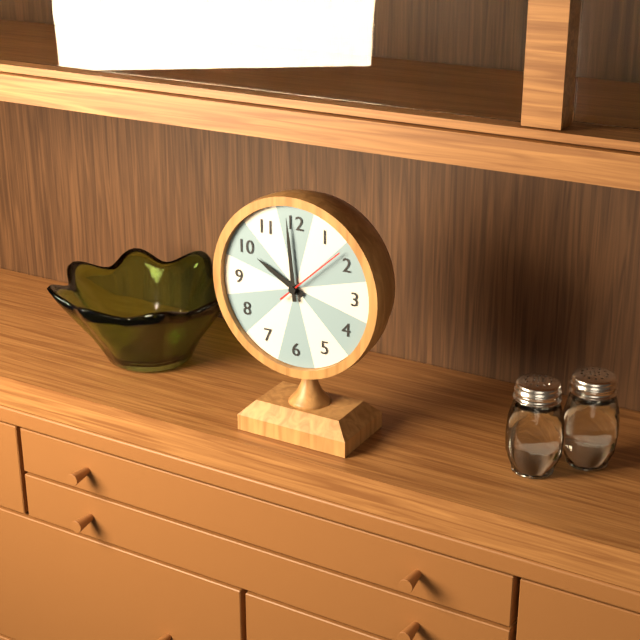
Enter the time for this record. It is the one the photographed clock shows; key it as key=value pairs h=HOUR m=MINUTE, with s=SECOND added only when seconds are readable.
h=9 m=59 s=8
